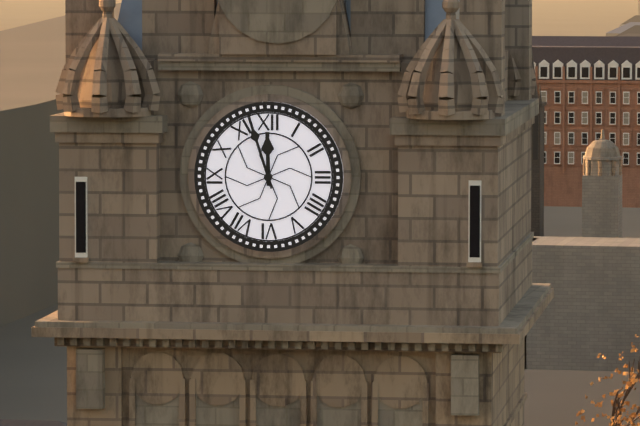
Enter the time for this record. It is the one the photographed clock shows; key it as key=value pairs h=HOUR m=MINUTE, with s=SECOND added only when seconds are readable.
h=11 m=57
